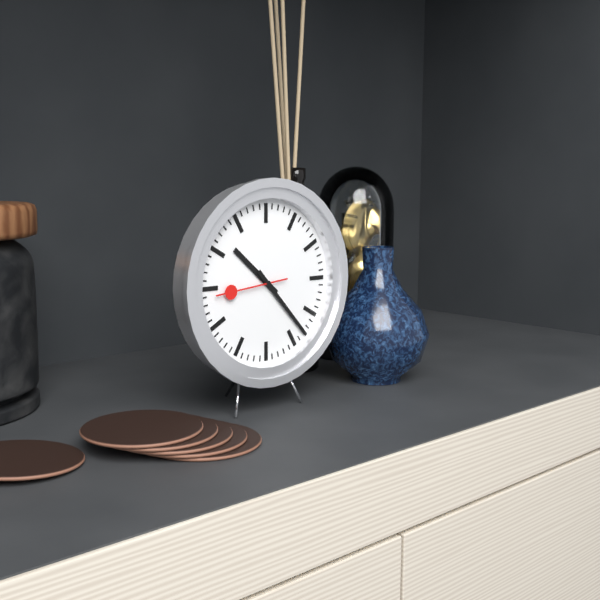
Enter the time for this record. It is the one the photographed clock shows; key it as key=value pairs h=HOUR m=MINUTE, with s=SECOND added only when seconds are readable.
h=10 m=23 s=44
